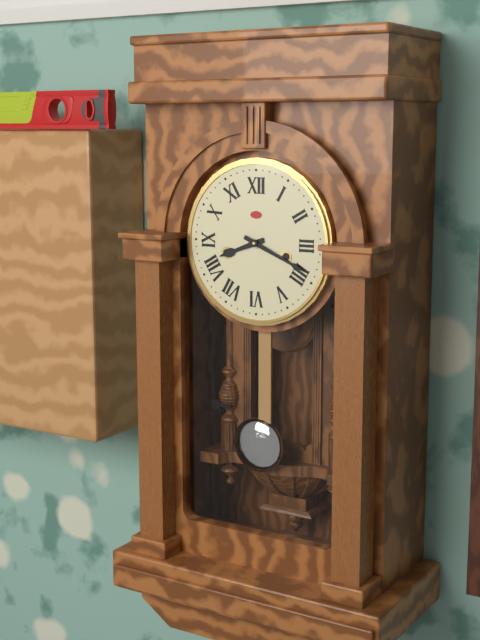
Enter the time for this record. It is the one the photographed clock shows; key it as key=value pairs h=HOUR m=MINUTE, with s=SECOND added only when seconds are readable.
h=8 m=19
